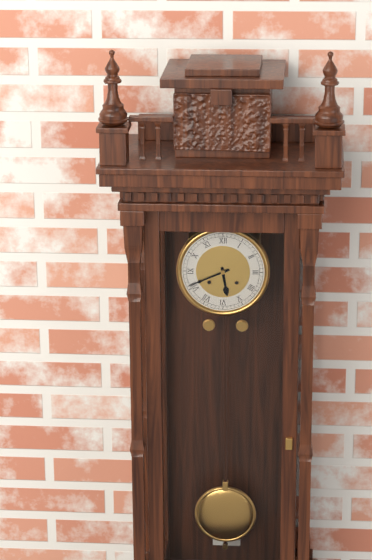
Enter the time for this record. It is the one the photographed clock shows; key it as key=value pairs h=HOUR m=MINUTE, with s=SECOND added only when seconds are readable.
h=5 m=41
